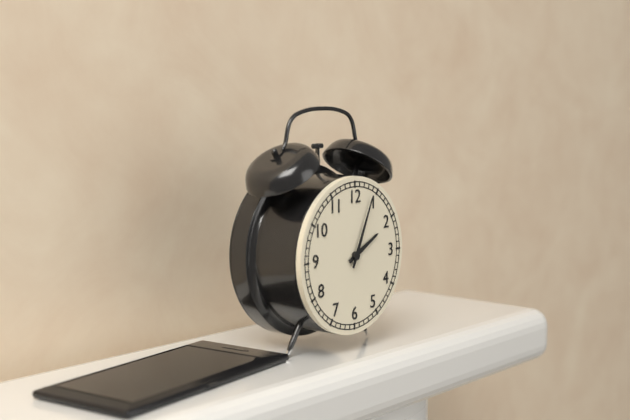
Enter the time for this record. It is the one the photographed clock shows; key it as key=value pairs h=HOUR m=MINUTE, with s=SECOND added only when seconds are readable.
h=2 m=4
